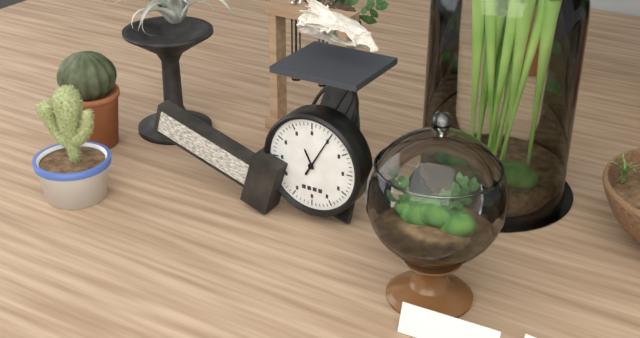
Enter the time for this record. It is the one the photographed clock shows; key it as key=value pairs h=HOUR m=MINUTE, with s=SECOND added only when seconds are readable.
h=11 m=5
